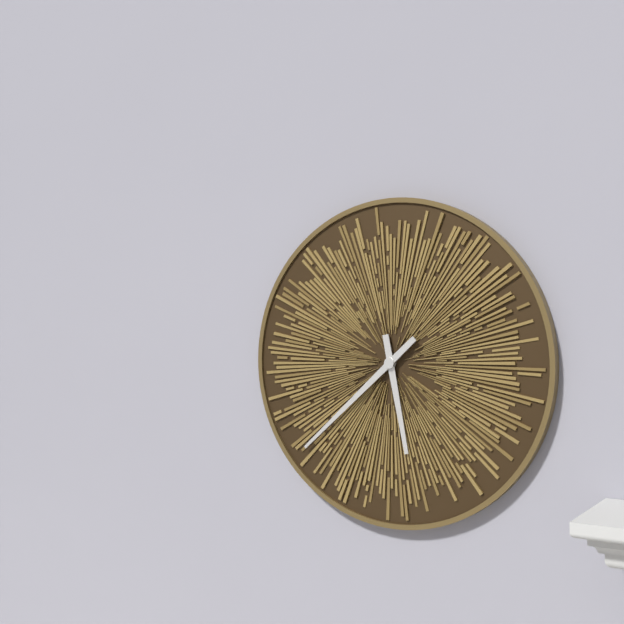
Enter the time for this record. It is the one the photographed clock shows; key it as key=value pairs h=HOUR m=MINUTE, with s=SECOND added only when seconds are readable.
h=5 m=38
